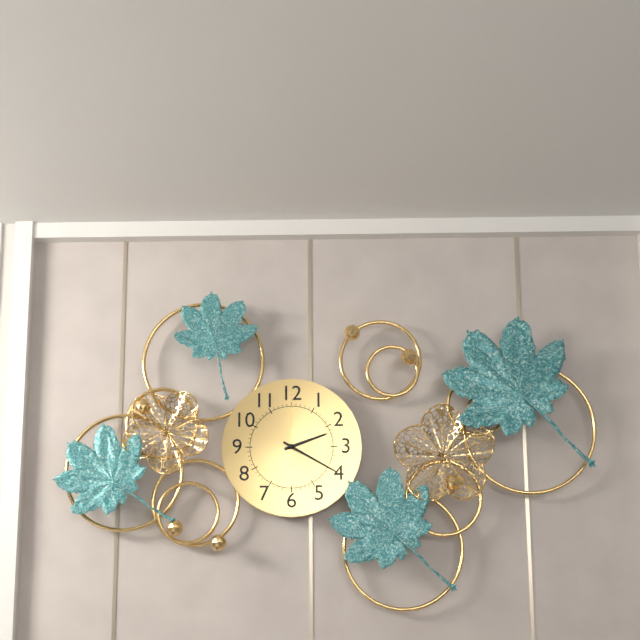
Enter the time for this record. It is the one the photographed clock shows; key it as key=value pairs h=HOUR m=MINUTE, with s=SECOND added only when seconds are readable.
h=2 m=20 s=0
